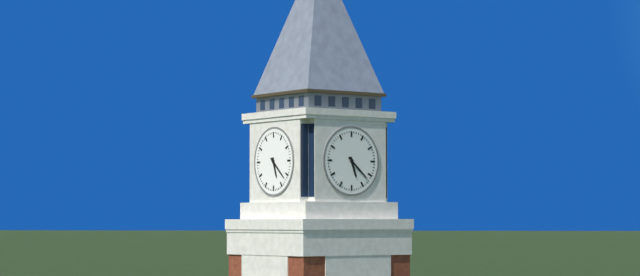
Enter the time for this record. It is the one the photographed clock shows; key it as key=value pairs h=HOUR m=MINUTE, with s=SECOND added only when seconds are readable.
h=5 m=22
